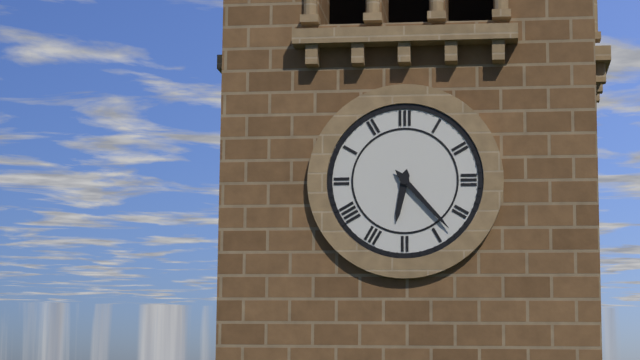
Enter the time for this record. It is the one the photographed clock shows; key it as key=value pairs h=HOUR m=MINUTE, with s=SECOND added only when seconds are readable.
h=6 m=23
